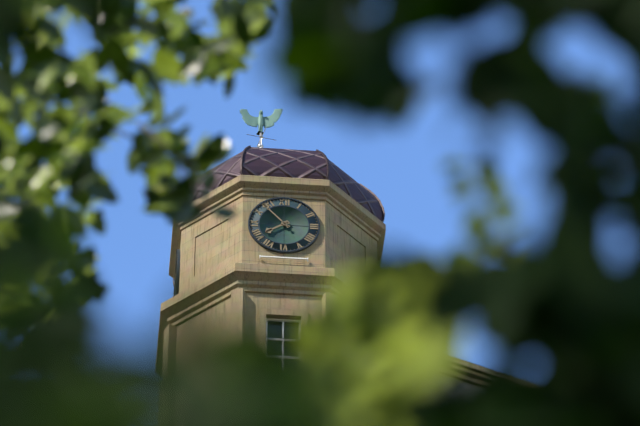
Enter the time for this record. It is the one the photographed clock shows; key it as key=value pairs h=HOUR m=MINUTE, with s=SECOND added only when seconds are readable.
h=7 m=53
